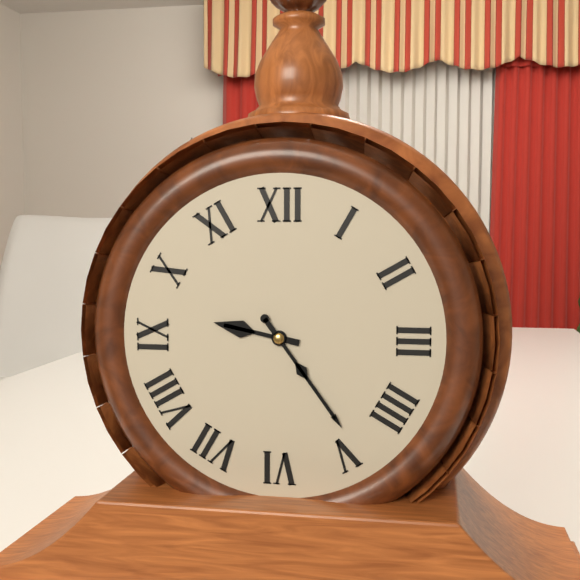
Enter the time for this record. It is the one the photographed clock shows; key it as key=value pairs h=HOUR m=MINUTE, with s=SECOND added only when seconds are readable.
h=9 m=24
